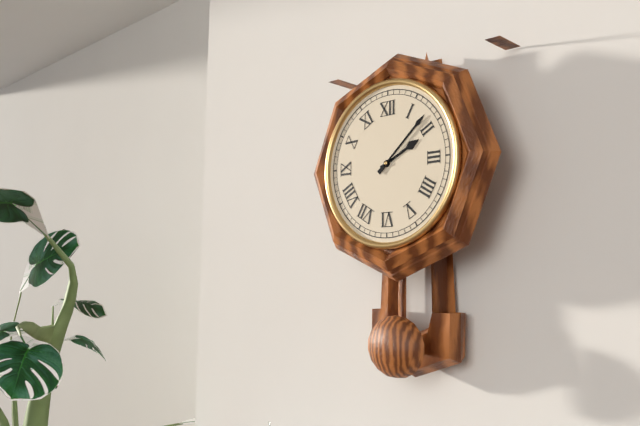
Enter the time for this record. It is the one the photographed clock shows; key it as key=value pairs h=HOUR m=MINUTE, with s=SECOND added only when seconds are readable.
h=2 m=8
